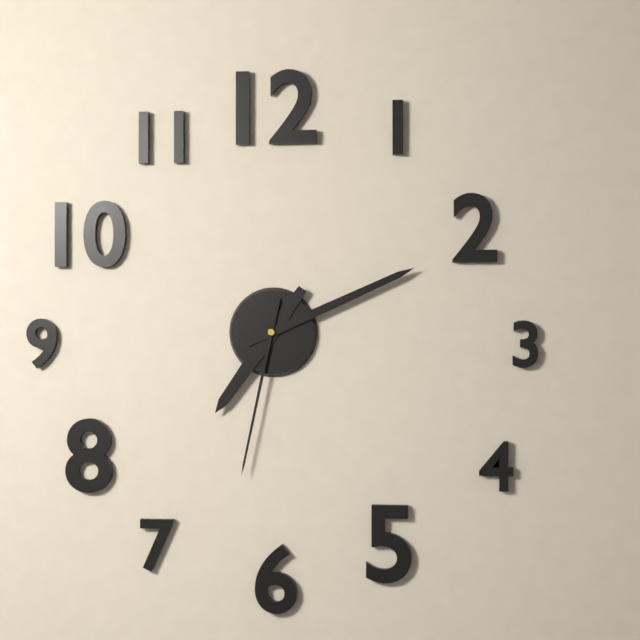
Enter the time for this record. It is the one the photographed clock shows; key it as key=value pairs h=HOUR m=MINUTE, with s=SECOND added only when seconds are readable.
h=7 m=11 s=32
